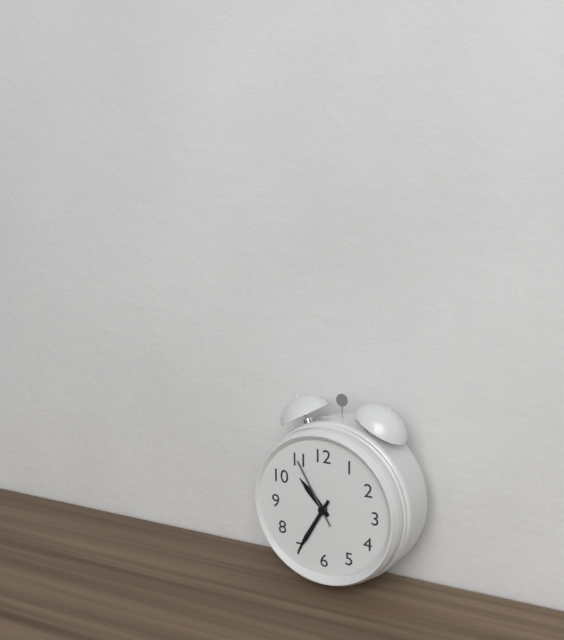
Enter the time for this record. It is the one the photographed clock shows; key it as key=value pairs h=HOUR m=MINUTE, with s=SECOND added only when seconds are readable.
h=10 m=35 s=55
